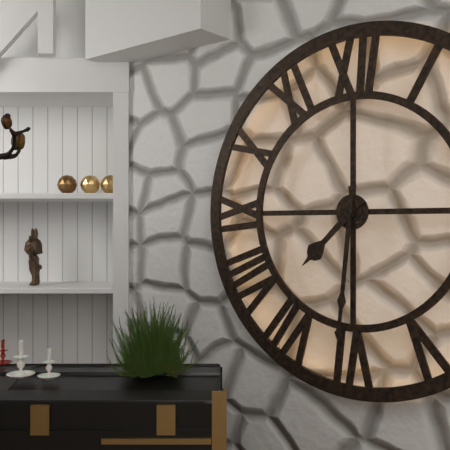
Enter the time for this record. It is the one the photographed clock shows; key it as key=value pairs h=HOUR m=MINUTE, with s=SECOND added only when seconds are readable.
h=7 m=31
